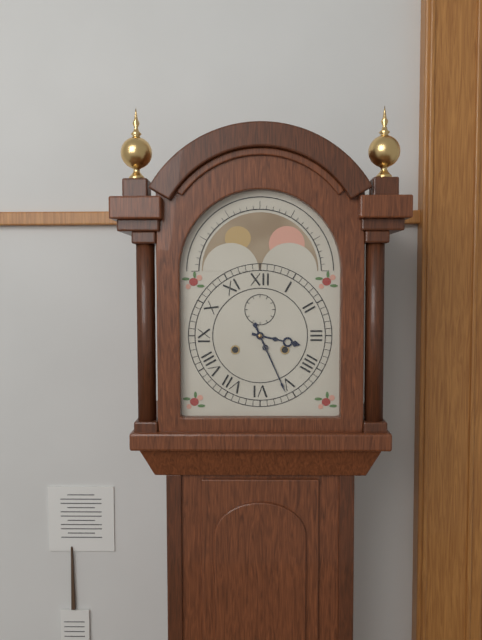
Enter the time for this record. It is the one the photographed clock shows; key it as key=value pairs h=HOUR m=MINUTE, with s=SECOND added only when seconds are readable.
h=3 m=26
